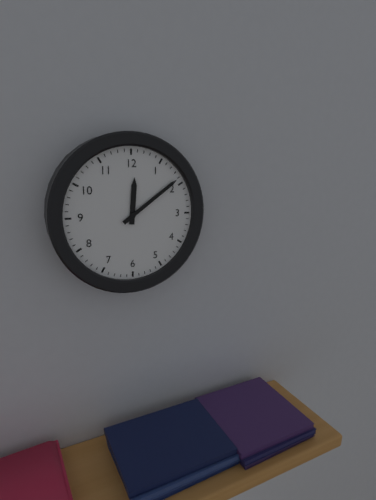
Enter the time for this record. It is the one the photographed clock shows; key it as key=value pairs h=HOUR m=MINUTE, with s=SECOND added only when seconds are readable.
h=12 m=9
